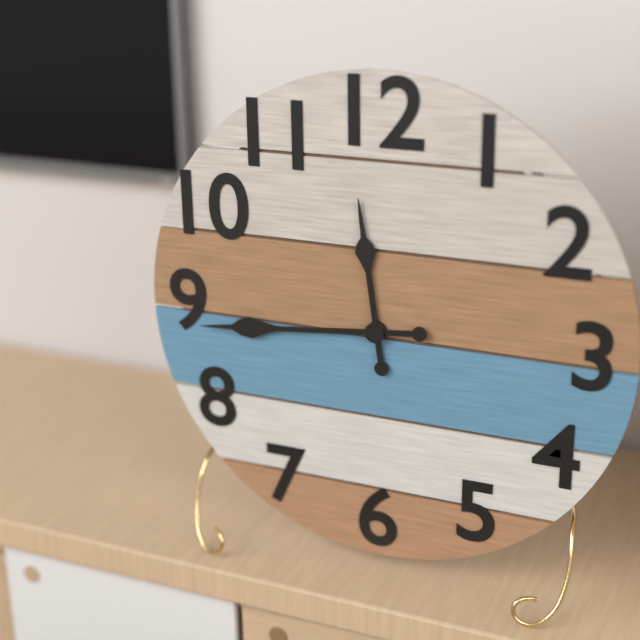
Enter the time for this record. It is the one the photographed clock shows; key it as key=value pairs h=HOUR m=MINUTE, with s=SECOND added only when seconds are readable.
h=11 m=44
